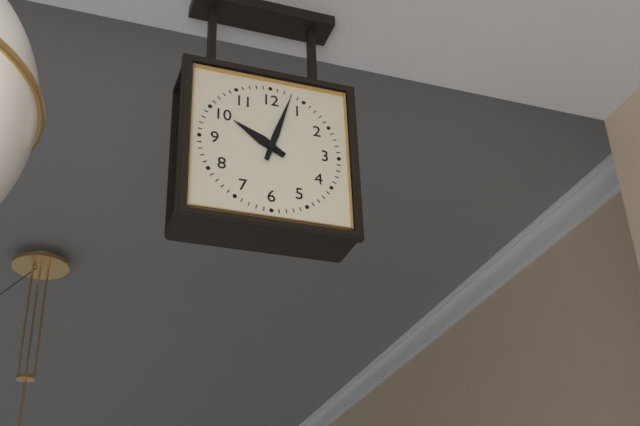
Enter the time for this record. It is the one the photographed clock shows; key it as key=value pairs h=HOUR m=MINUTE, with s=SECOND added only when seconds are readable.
h=10 m=3
